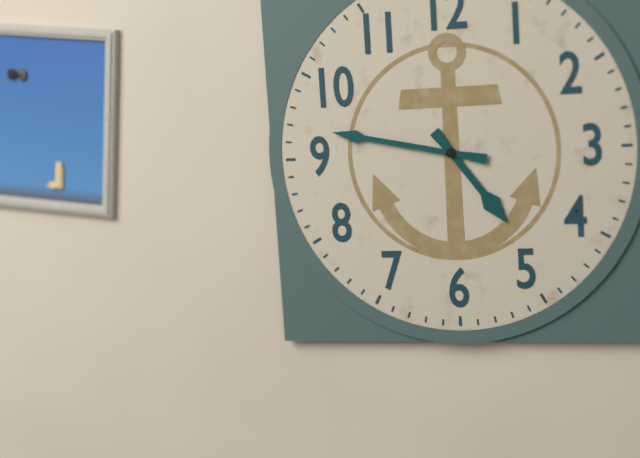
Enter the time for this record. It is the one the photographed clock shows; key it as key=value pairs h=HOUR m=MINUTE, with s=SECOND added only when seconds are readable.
h=4 m=47
